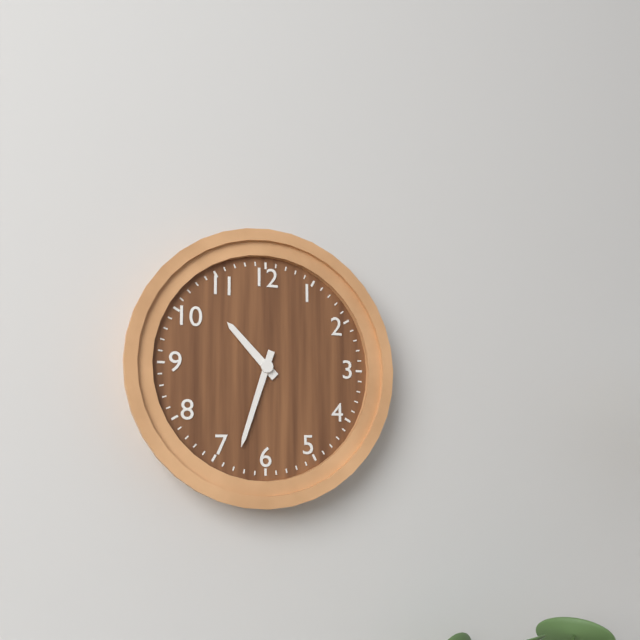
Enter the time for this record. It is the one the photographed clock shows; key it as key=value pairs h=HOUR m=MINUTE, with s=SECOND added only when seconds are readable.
h=10 m=33
